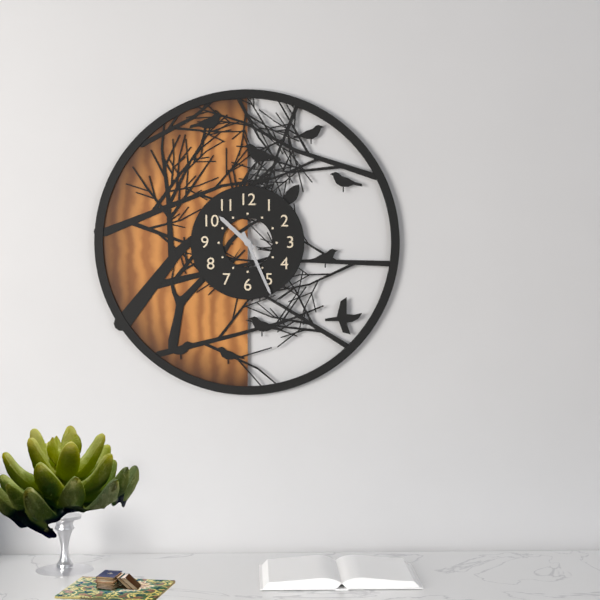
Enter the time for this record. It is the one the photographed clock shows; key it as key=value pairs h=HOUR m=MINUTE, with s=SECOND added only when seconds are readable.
h=10 m=26
